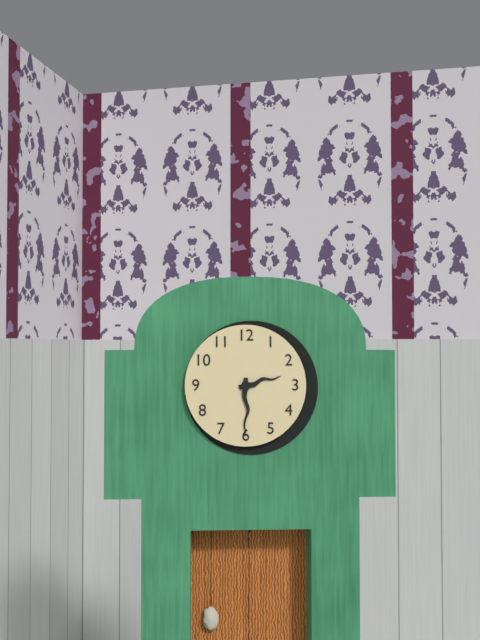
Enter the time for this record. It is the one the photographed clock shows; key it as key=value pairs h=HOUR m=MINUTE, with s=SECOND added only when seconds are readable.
h=2 m=30
